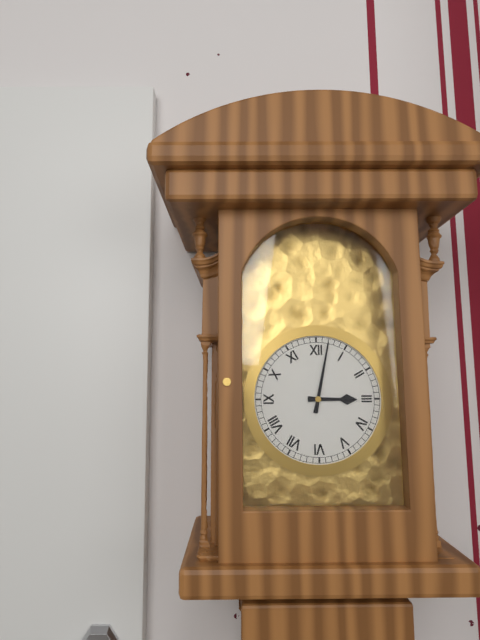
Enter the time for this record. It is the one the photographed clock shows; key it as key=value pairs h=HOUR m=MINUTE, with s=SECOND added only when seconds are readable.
h=3 m=2
